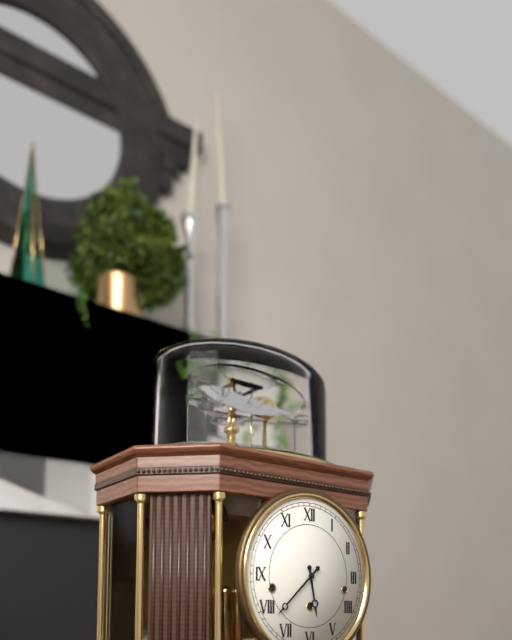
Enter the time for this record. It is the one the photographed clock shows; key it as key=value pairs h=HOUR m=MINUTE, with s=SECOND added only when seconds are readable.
h=5 m=38
